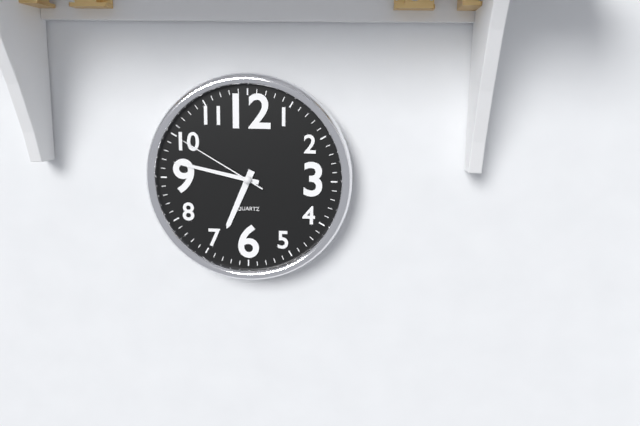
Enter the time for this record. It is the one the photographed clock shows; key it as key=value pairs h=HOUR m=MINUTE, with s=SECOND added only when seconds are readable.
h=6 m=47 s=50
